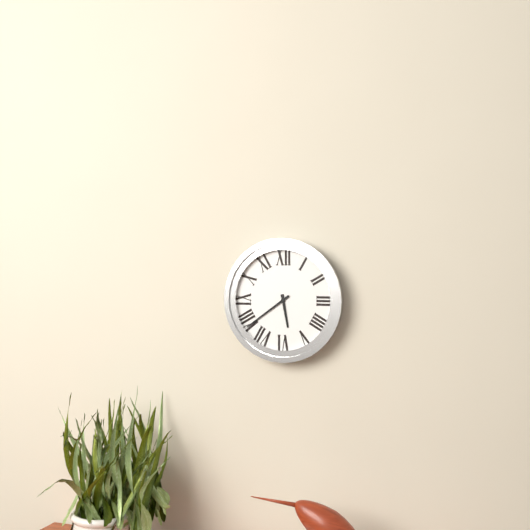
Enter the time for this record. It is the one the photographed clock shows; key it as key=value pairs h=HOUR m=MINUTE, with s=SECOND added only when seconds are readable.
h=5 m=39
